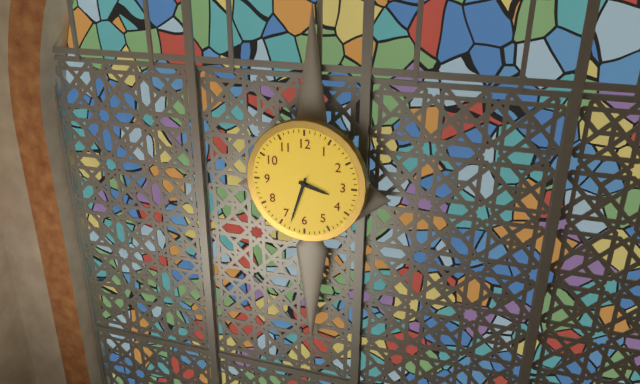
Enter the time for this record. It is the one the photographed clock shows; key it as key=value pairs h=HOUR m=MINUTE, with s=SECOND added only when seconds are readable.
h=3 m=33
